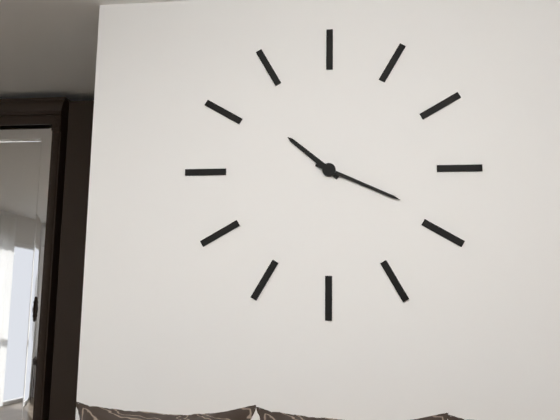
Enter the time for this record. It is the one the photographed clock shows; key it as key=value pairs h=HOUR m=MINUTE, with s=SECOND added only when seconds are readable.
h=10 m=19
